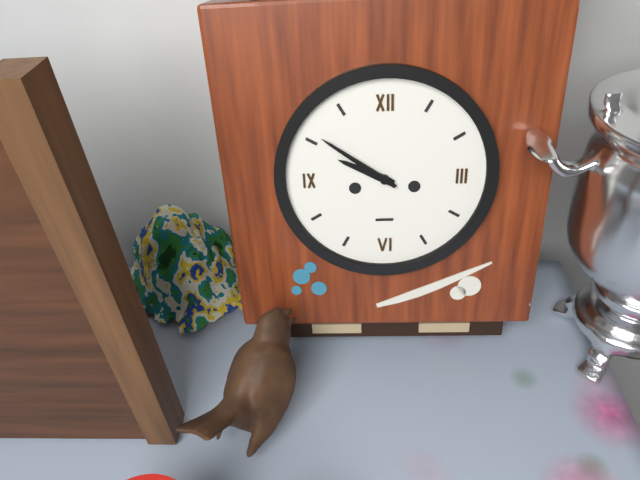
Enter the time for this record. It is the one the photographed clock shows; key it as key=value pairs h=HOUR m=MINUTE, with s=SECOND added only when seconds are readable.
h=9 m=51
